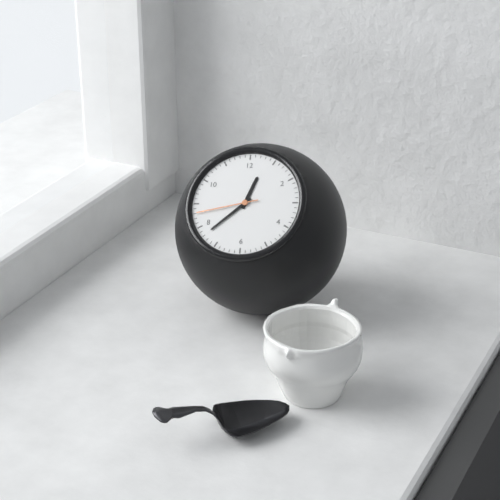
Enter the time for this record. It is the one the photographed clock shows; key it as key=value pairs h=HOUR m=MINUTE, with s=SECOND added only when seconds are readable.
h=12 m=38 s=43
